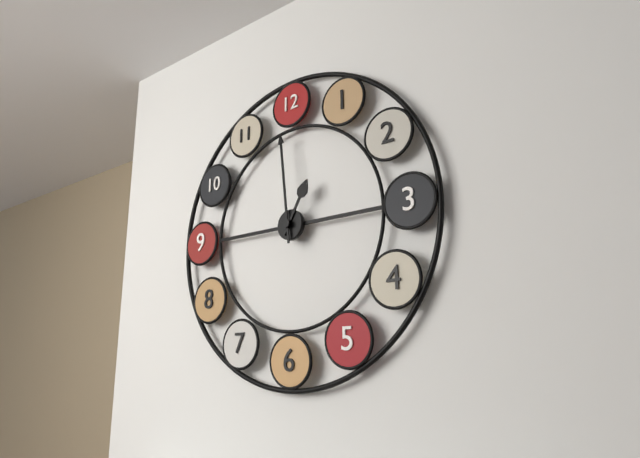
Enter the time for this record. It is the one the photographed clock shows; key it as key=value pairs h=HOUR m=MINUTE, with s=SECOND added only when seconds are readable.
h=12 m=59
